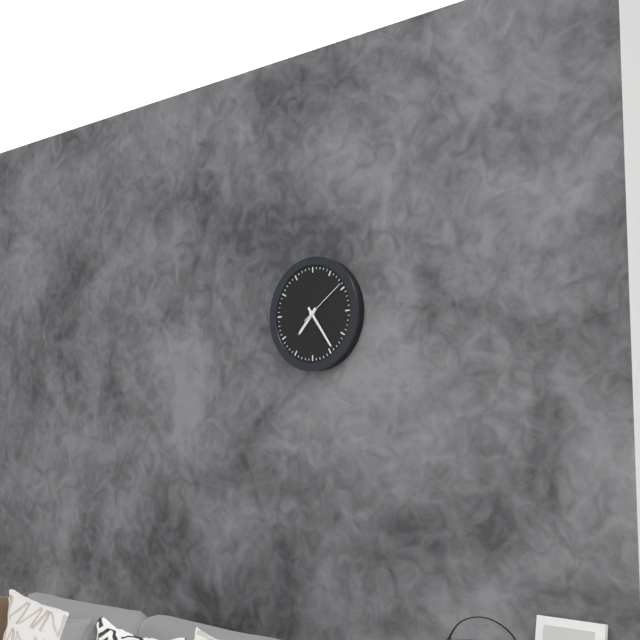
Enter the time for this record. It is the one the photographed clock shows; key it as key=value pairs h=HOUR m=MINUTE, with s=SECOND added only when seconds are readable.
h=7 m=24
